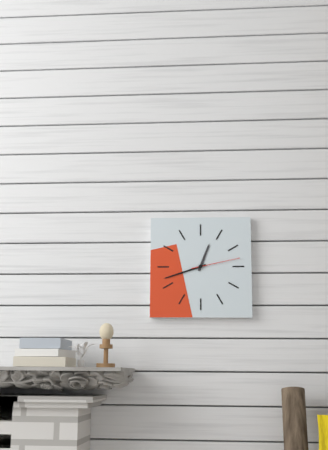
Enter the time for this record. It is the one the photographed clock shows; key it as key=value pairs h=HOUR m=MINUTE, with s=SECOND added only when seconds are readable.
h=12 m=42 s=13
